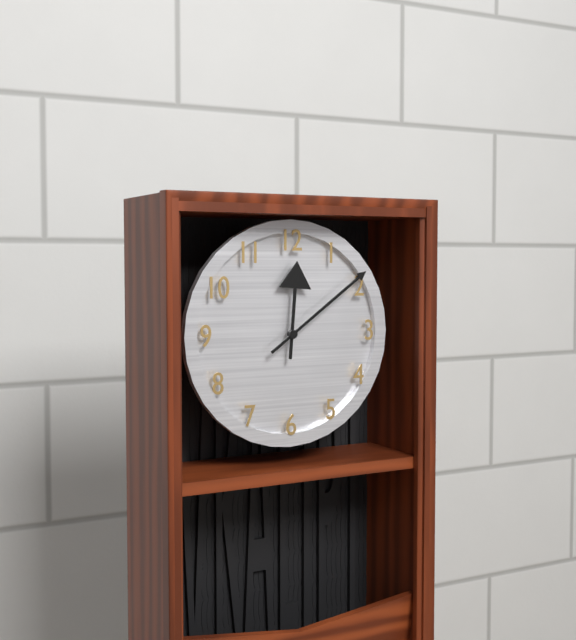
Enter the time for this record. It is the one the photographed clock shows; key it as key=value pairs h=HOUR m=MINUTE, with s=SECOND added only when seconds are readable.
h=12 m=9
